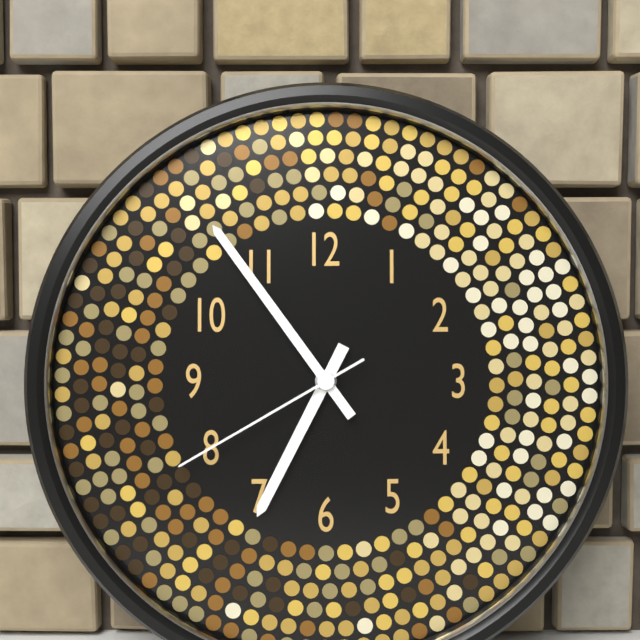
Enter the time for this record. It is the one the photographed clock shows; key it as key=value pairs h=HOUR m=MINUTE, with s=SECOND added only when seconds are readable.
h=6 m=54 s=40
